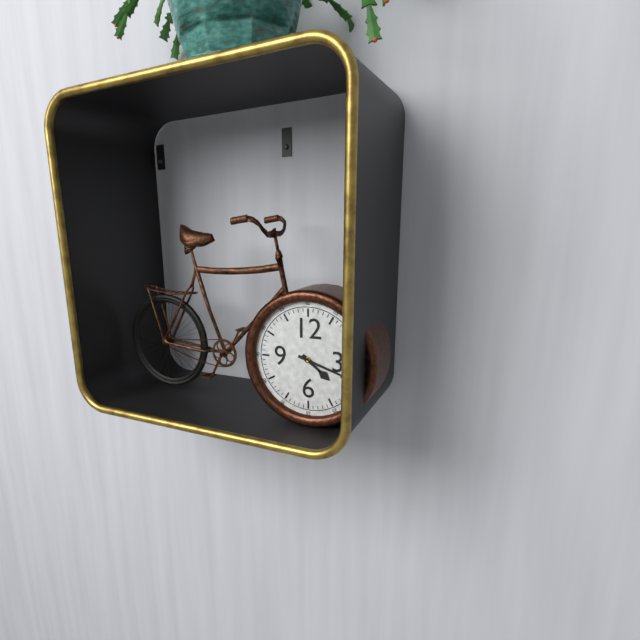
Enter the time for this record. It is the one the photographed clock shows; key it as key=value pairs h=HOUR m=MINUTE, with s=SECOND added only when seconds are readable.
h=4 m=18
